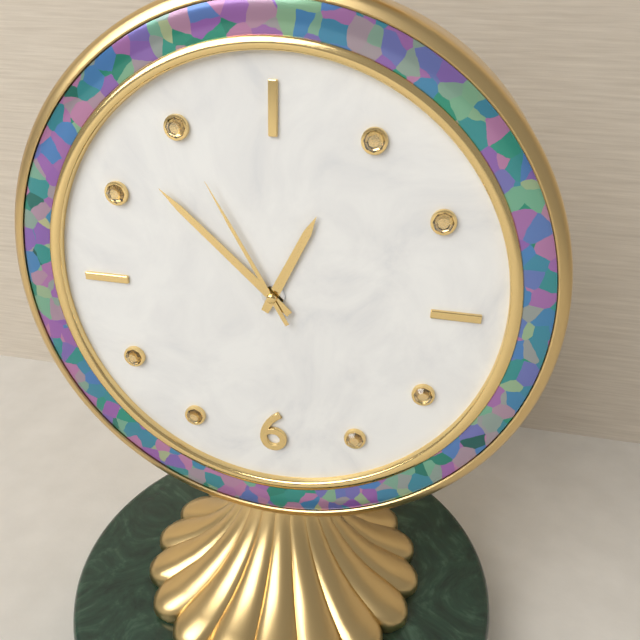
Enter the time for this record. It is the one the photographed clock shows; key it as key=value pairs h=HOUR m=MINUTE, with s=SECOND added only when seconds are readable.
h=12 m=52 s=55
